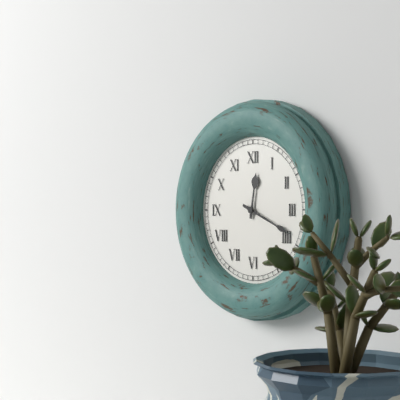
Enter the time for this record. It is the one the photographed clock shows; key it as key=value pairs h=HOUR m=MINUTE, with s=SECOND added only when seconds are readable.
h=12 m=19
